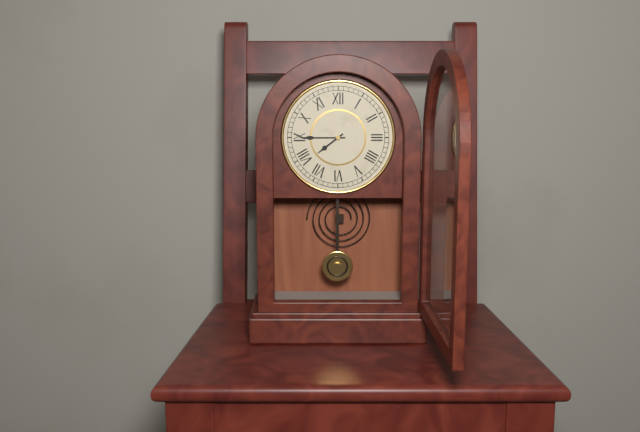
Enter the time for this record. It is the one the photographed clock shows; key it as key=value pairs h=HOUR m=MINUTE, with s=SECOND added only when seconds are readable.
h=7 m=45
